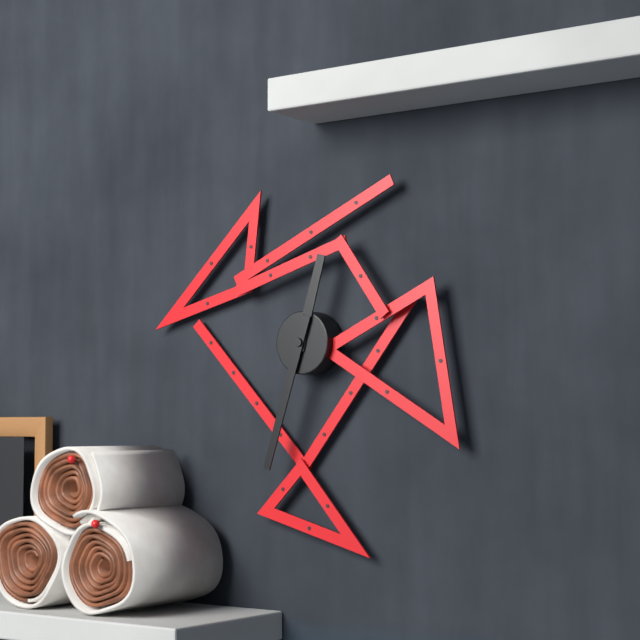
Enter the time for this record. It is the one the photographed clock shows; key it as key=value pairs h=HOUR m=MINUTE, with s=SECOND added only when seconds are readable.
h=12 m=33
